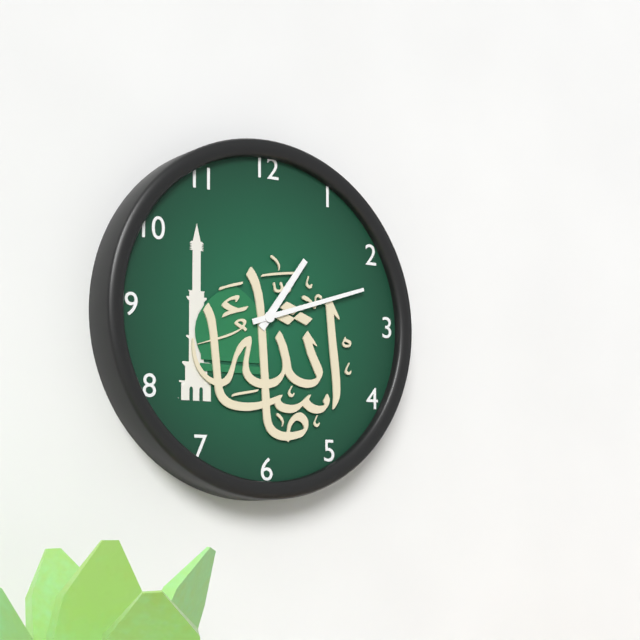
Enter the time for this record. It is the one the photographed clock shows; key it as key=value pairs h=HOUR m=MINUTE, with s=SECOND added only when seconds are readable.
h=1 m=12
